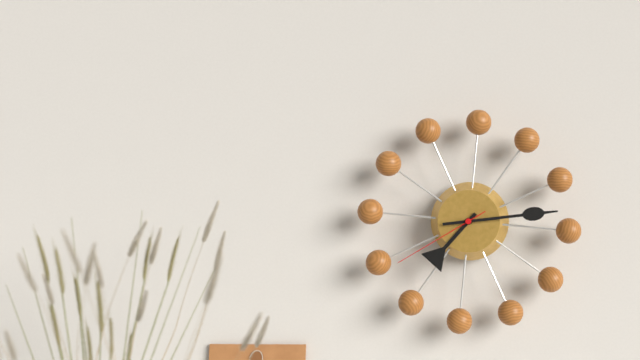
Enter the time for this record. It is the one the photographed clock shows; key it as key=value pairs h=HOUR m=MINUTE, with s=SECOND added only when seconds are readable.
h=7 m=13 s=39
